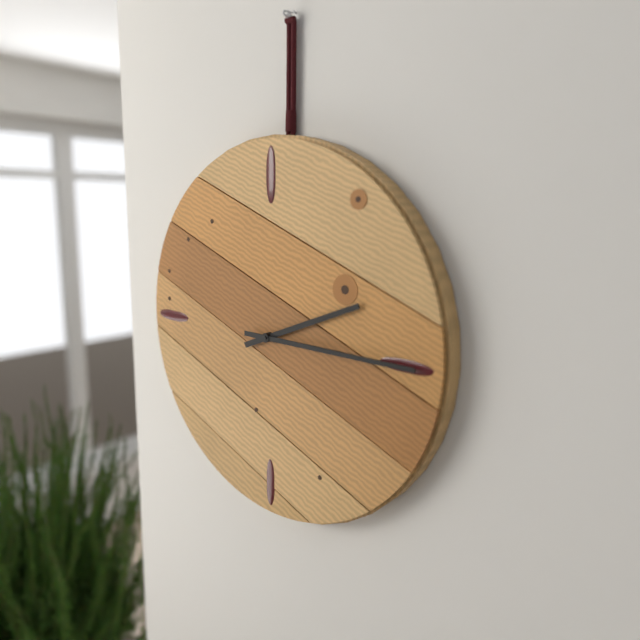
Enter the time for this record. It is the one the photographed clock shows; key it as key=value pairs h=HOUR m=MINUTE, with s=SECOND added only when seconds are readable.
h=2 m=15
